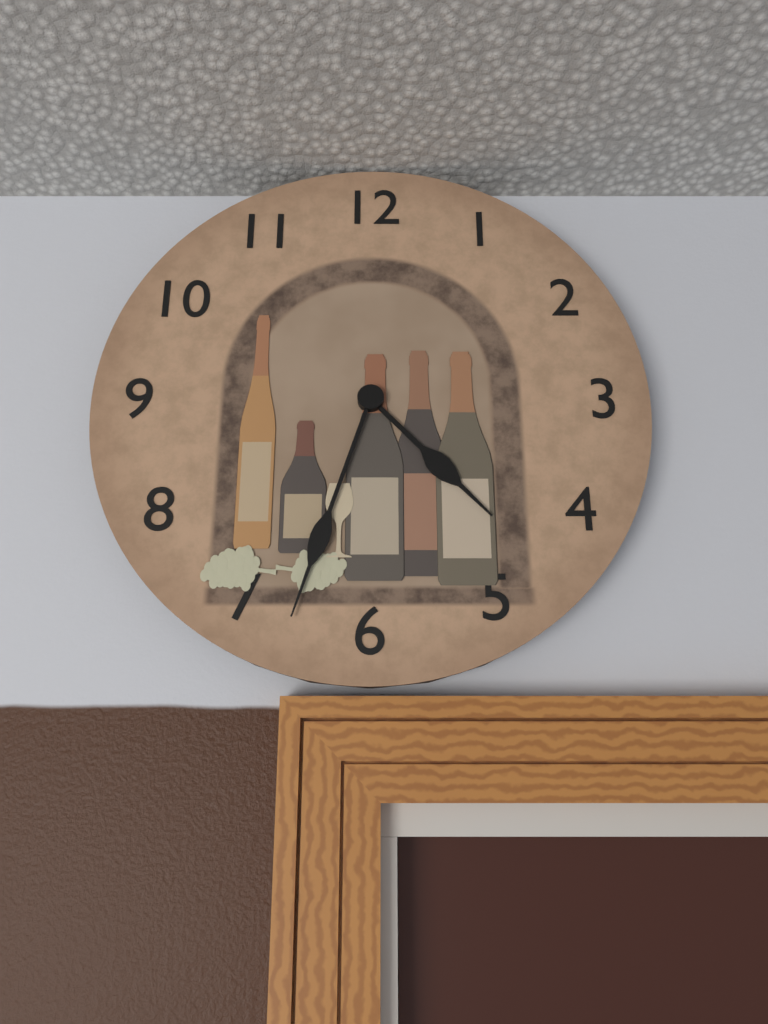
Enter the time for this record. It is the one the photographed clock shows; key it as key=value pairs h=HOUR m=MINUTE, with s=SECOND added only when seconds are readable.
h=4 m=33
